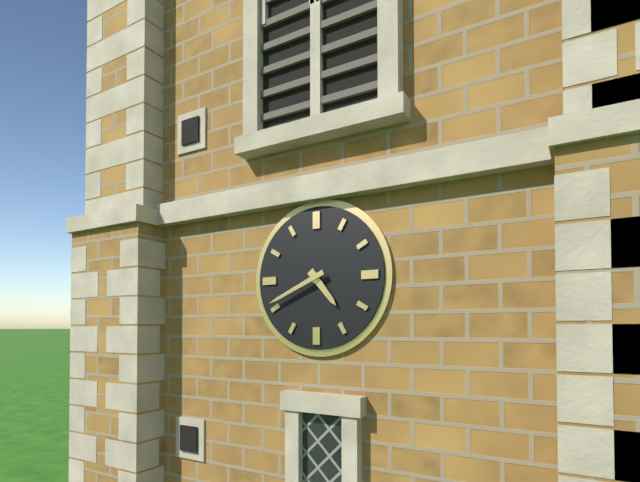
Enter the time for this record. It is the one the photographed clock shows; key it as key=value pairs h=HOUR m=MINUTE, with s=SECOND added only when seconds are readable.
h=4 m=41
